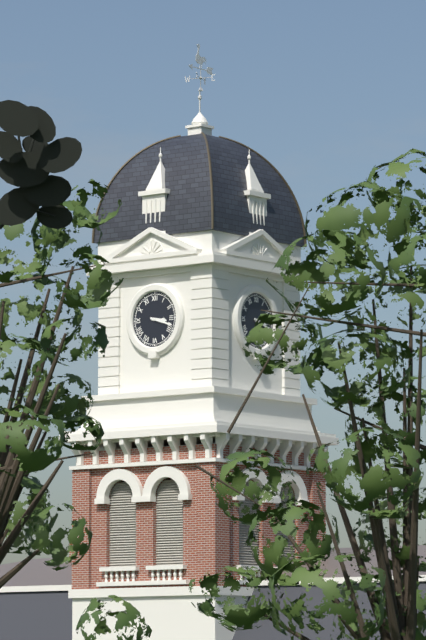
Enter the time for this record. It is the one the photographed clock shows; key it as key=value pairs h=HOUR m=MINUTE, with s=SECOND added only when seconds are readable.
h=3 m=18
